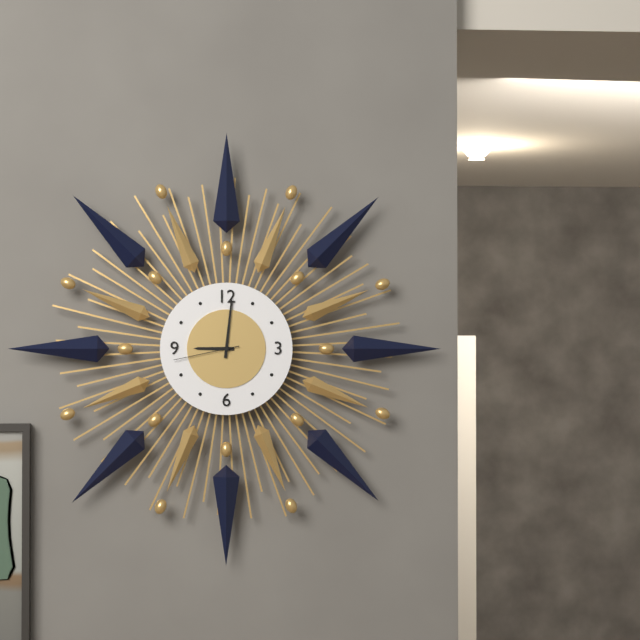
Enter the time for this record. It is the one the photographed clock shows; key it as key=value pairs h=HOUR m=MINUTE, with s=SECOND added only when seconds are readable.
h=9 m=1 s=43
